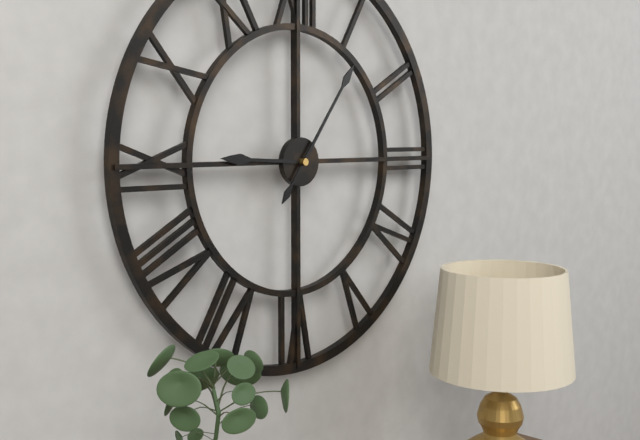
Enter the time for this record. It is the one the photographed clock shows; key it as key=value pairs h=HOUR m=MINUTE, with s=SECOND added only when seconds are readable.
h=9 m=6
